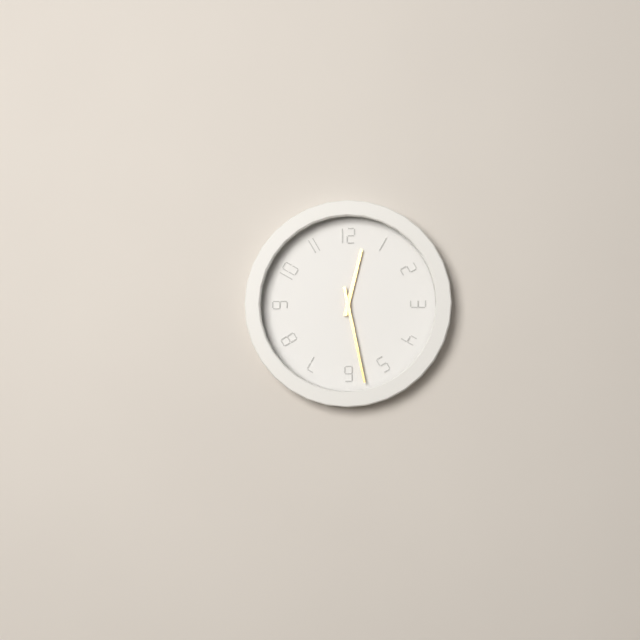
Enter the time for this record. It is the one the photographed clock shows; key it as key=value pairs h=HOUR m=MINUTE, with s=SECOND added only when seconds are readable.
h=12 m=28
